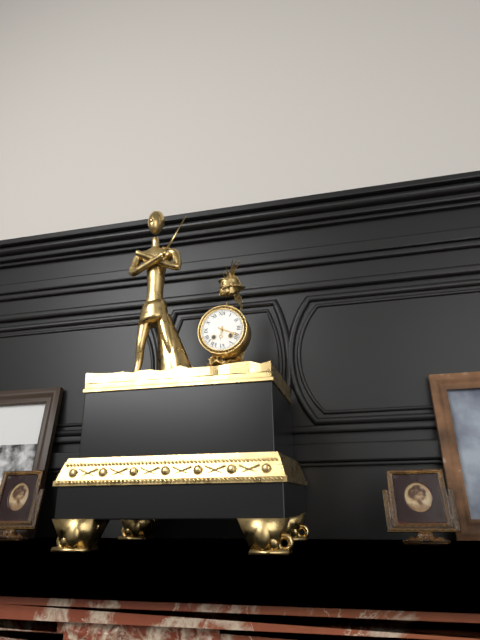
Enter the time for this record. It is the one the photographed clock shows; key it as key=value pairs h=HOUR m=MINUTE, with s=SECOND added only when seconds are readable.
h=6 m=19
